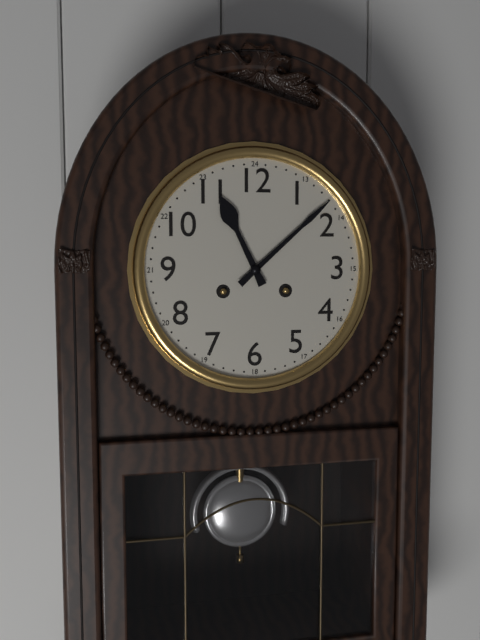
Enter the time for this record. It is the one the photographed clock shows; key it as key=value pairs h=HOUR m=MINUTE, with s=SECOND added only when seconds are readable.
h=11 m=8
